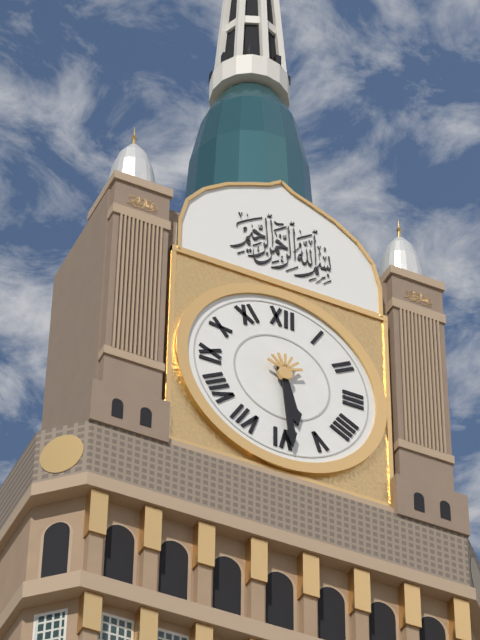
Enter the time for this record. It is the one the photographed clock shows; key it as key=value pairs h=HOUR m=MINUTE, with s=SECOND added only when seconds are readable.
h=5 m=29
